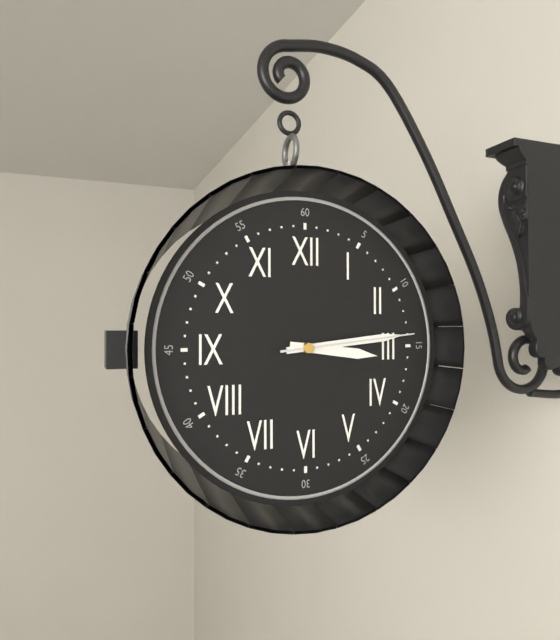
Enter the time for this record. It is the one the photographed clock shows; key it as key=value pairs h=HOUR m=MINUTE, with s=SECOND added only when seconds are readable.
h=3 m=14 s=14
